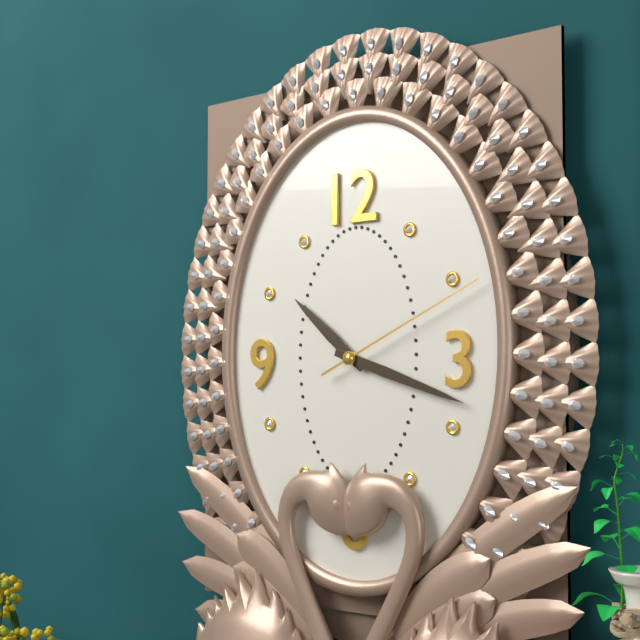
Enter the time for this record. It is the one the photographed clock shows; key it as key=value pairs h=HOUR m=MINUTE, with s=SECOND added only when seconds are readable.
h=10 m=18 s=11
